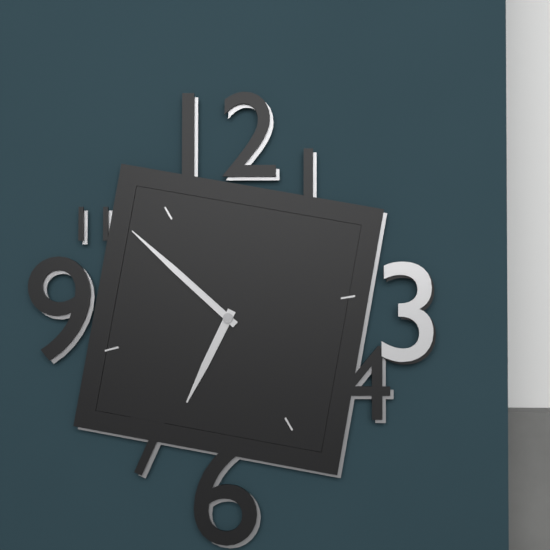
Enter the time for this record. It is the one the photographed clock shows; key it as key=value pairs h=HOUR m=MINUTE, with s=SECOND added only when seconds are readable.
h=6 m=52
